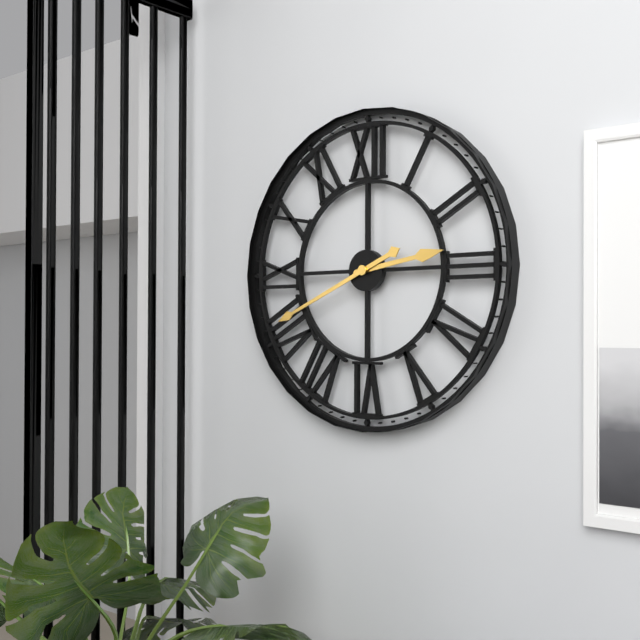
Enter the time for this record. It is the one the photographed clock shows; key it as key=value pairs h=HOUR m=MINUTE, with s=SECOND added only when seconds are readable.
h=2 m=41
